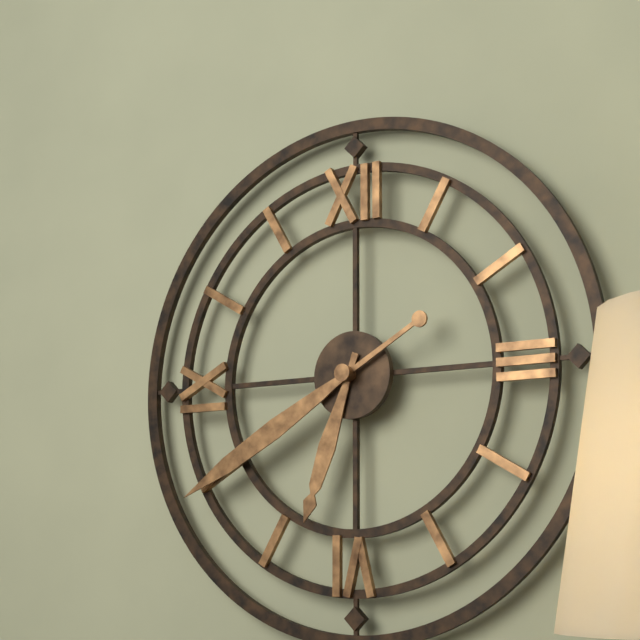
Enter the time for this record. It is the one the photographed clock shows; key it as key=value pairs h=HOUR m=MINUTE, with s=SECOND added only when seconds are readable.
h=6 m=40
